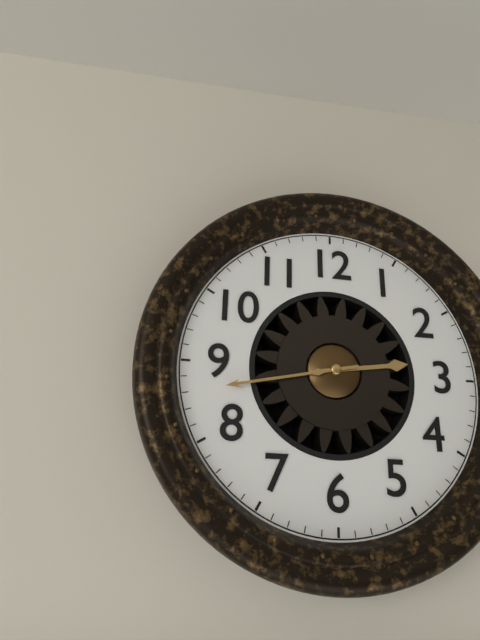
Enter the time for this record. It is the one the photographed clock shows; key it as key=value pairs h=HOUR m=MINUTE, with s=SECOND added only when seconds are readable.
h=2 m=43
